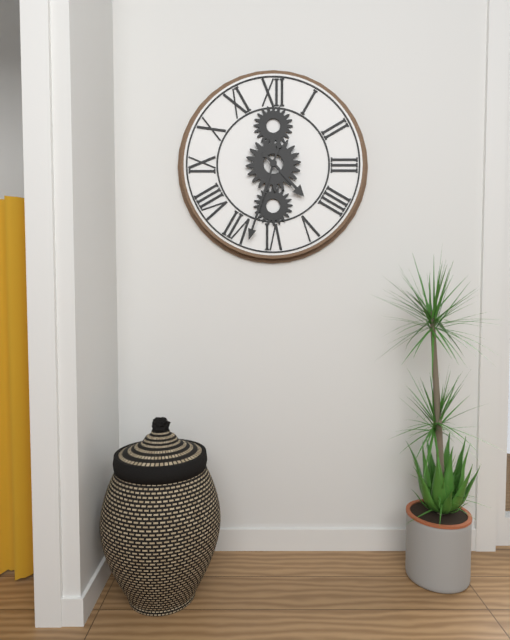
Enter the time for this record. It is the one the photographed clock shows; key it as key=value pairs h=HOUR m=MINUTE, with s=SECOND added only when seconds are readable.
h=4 m=33
